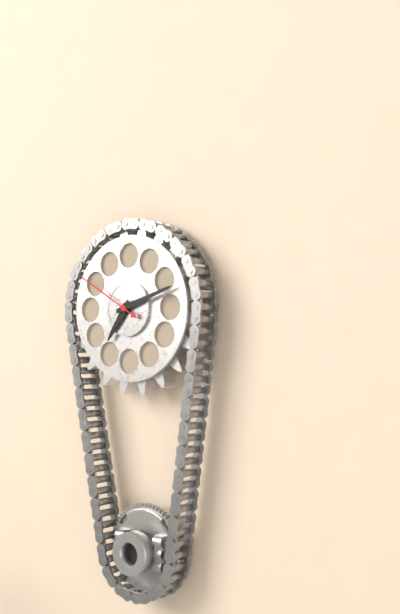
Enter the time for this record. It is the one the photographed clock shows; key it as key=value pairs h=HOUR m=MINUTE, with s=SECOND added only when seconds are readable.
h=7 m=12 s=50
